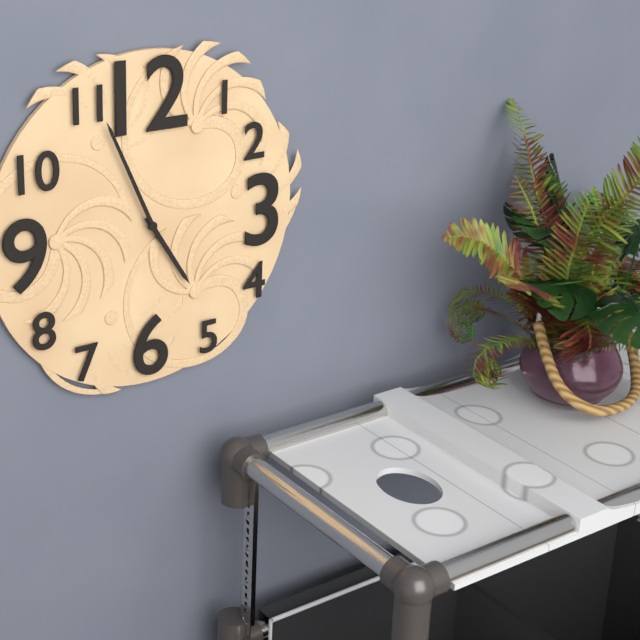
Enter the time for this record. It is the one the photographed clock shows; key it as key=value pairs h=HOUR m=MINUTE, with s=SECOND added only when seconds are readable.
h=4 m=56
